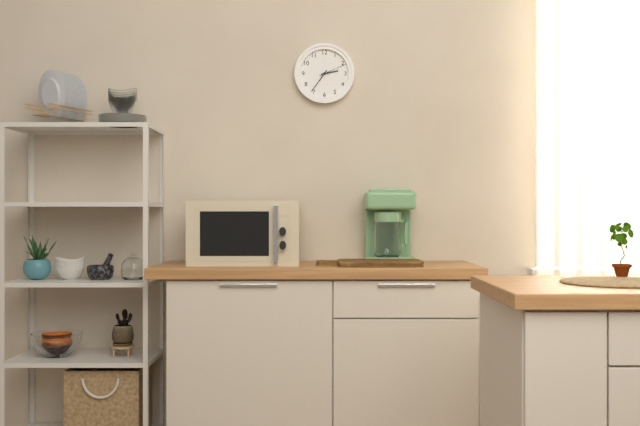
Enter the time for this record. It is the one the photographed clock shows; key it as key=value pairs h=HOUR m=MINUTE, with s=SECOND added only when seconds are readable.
h=2 m=36
